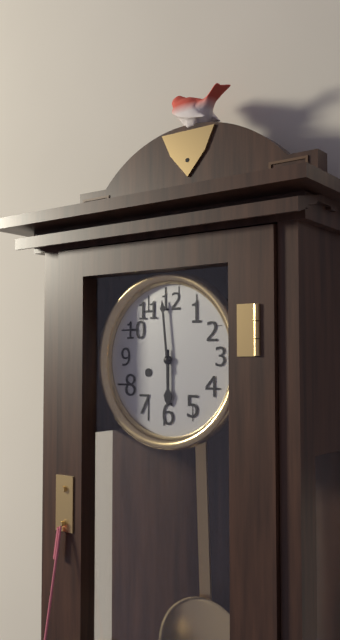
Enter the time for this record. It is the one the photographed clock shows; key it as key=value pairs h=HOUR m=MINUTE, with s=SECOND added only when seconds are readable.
h=5 m=59
